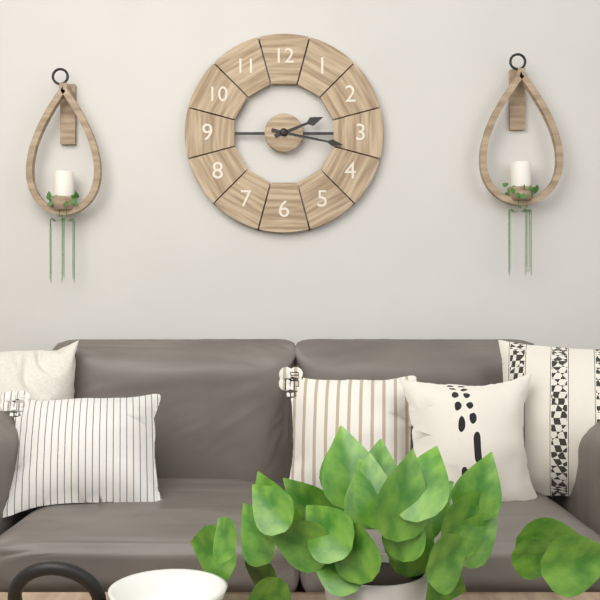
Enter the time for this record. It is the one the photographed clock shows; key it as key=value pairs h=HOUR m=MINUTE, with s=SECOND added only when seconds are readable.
h=2 m=17
